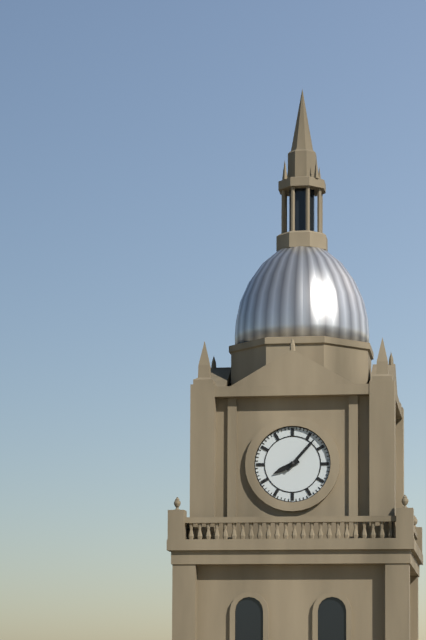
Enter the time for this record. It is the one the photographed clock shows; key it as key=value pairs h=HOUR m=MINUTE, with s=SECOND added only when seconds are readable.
h=8 m=7
